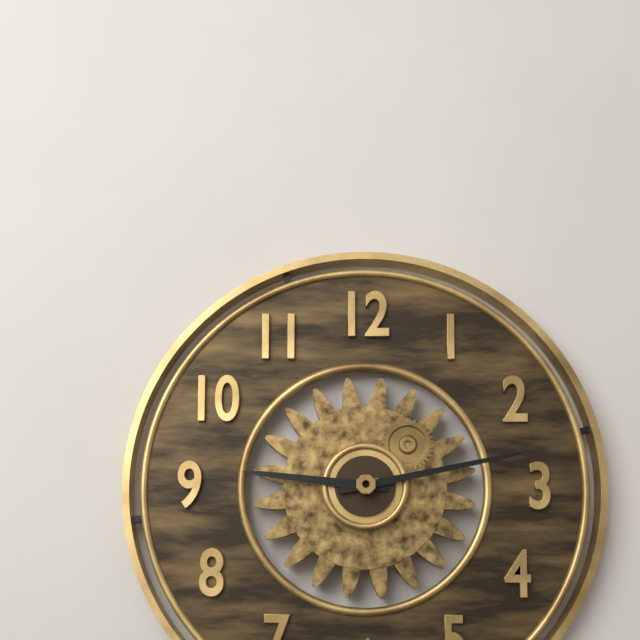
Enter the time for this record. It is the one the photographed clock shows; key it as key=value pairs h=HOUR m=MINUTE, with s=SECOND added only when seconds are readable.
h=9 m=13
